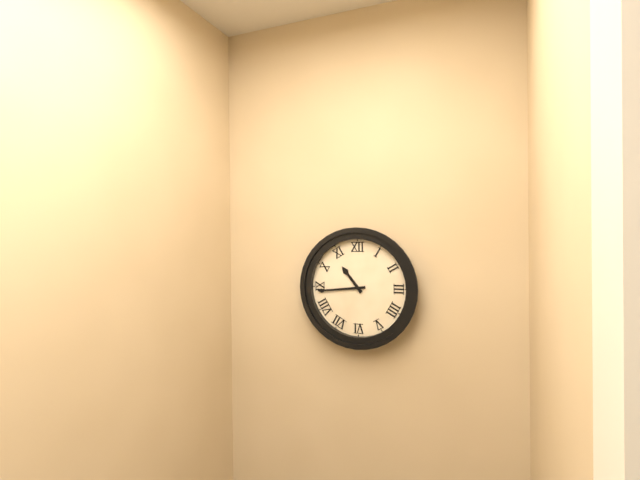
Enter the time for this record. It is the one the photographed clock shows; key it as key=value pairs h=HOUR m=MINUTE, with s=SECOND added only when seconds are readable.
h=10 m=44
